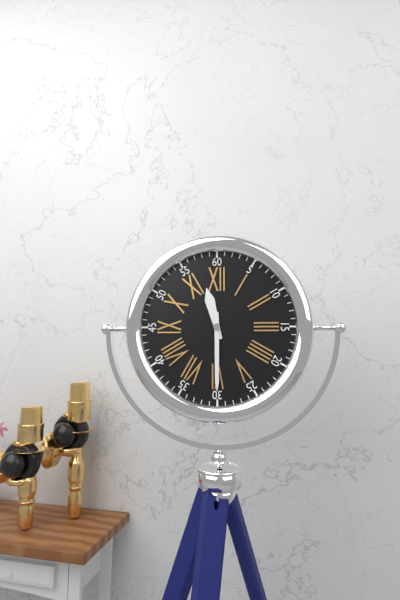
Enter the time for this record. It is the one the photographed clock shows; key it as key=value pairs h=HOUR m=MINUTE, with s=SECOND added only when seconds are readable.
h=11 m=30
